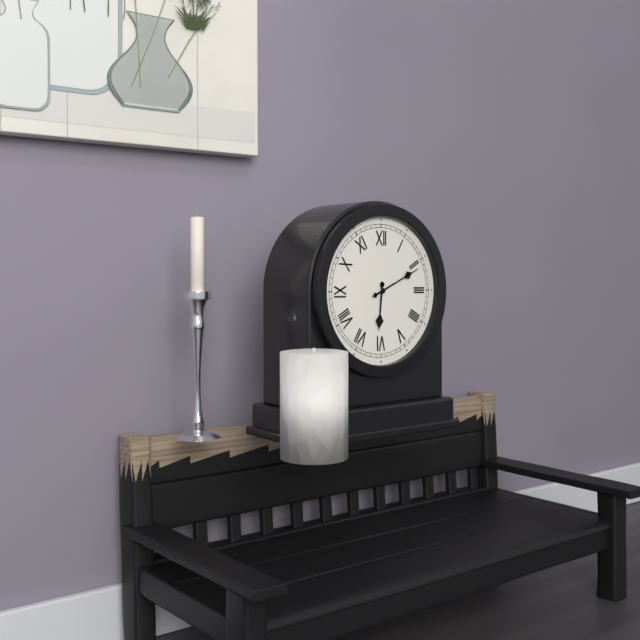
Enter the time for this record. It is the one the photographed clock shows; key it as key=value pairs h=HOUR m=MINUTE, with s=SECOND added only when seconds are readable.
h=6 m=11
